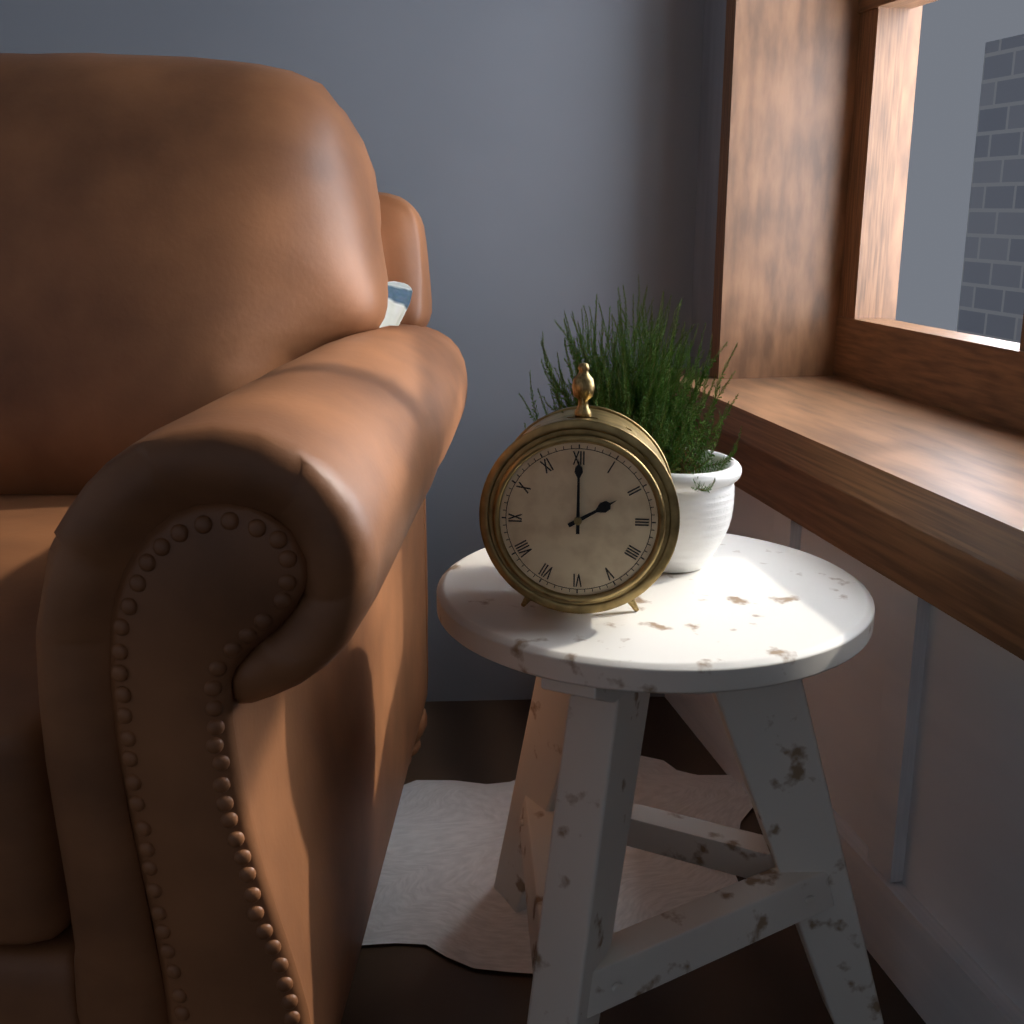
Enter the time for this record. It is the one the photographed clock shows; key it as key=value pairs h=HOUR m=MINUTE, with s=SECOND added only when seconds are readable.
h=2 m=0
